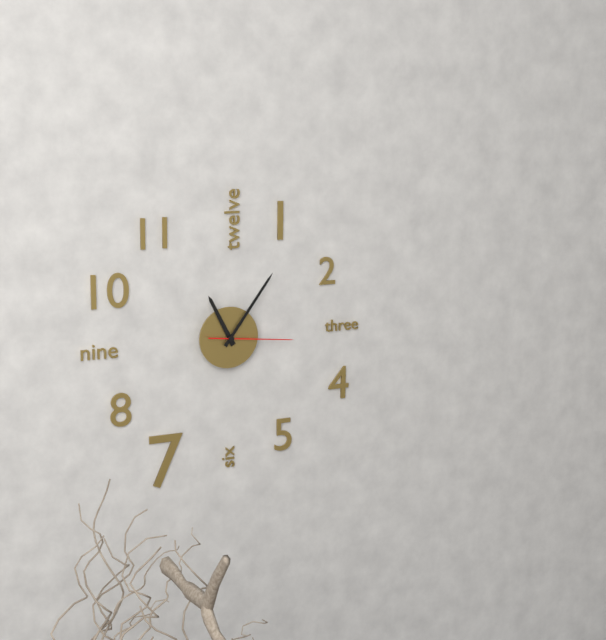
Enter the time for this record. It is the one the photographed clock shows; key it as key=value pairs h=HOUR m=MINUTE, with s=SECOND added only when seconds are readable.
h=11 m=6 s=16
